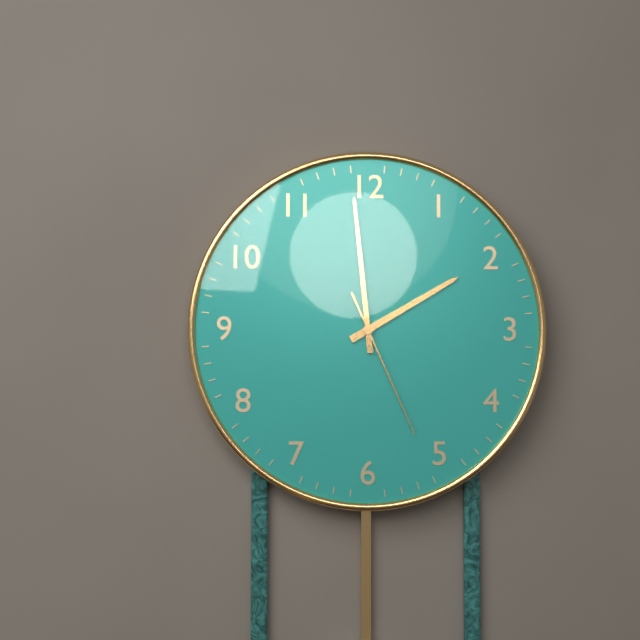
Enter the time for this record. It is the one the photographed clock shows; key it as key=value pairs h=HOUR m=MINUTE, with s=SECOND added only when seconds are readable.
h=1 m=59 s=26
